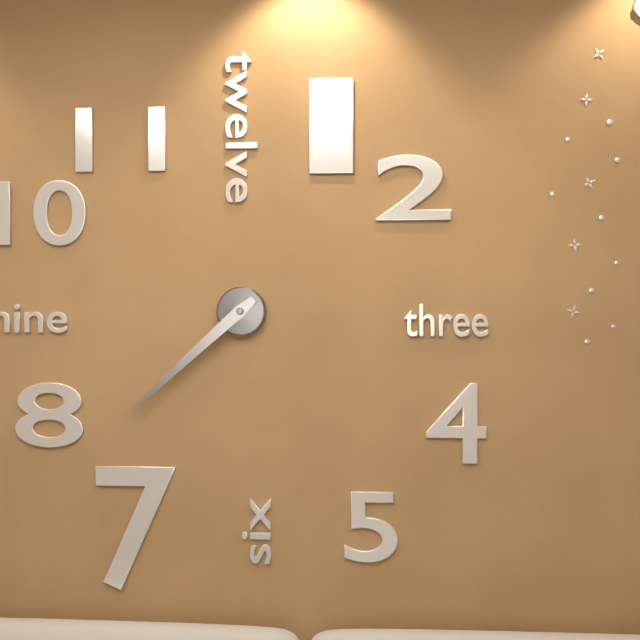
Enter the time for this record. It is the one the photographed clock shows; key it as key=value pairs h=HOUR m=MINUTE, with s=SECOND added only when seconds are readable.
h=7 m=38
